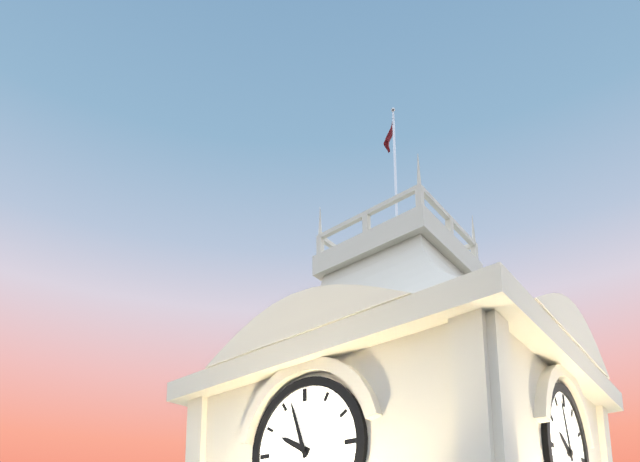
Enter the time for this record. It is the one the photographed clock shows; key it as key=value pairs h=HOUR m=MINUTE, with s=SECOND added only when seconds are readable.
h=9 m=57
